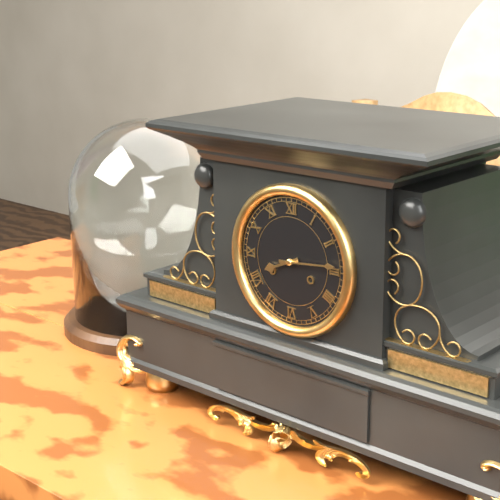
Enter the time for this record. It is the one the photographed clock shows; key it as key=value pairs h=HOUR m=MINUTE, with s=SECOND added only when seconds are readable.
h=8 m=14
